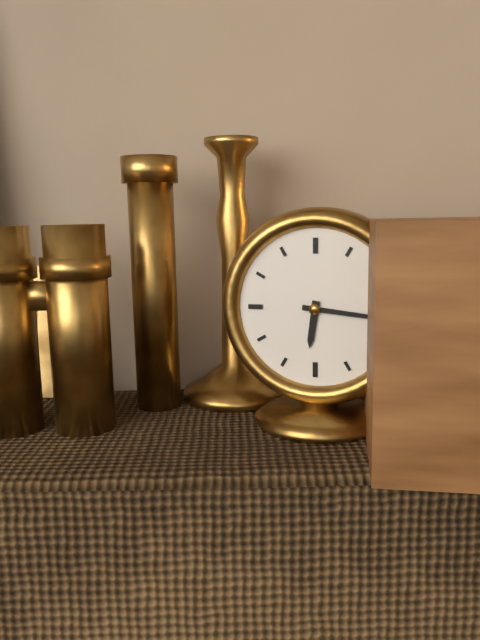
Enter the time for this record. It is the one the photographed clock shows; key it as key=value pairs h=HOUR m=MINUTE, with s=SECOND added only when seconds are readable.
h=6 m=16
